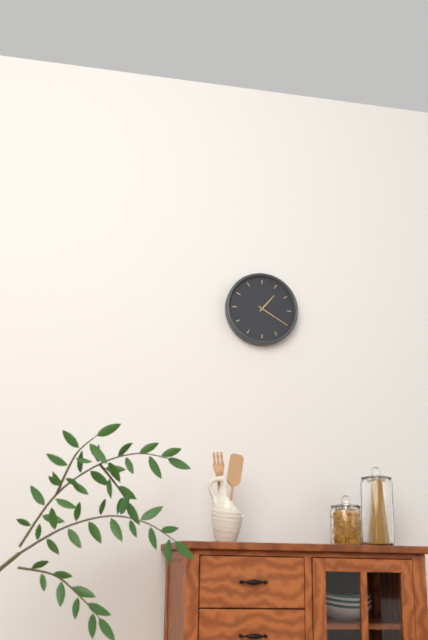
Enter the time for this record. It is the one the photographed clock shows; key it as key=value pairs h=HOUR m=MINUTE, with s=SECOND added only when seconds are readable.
h=1 m=20
